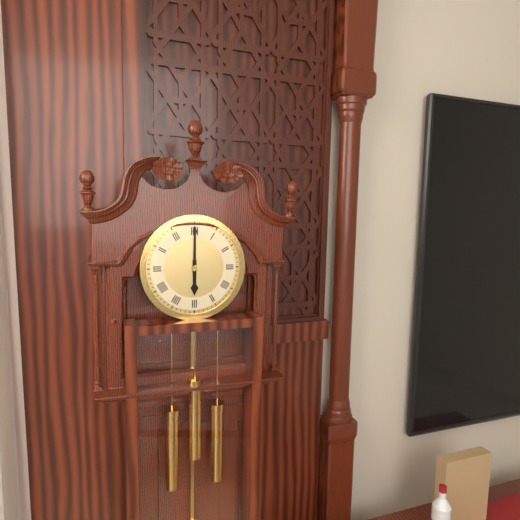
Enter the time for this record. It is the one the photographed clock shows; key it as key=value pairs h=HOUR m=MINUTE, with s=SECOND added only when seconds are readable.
h=6 m=0
